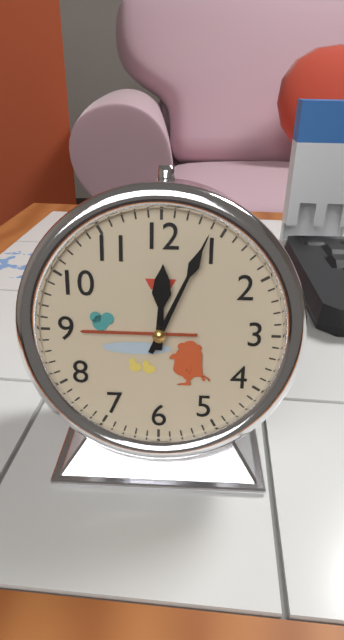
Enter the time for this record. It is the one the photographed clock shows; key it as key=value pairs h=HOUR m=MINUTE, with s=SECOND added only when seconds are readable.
h=12 m=4
